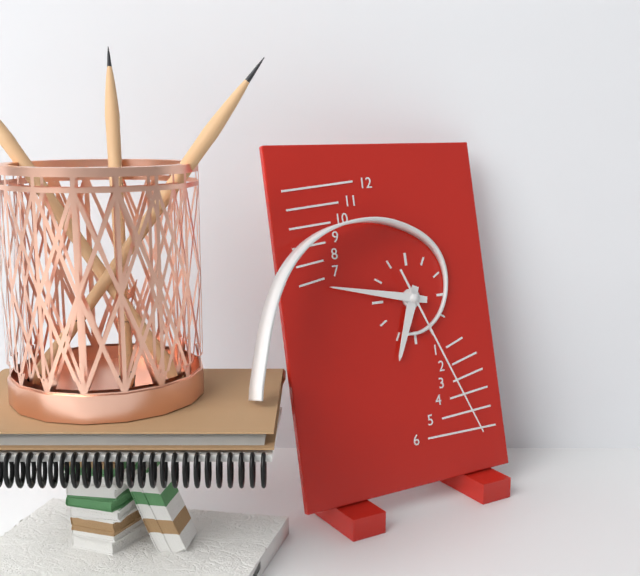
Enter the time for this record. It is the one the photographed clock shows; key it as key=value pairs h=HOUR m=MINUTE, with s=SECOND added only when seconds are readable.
h=6 m=47 s=26
